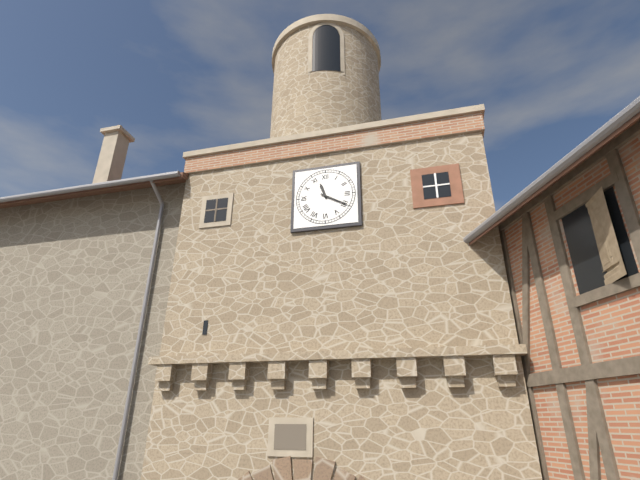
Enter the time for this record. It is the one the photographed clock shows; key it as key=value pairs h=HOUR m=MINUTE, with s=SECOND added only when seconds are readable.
h=11 m=20
